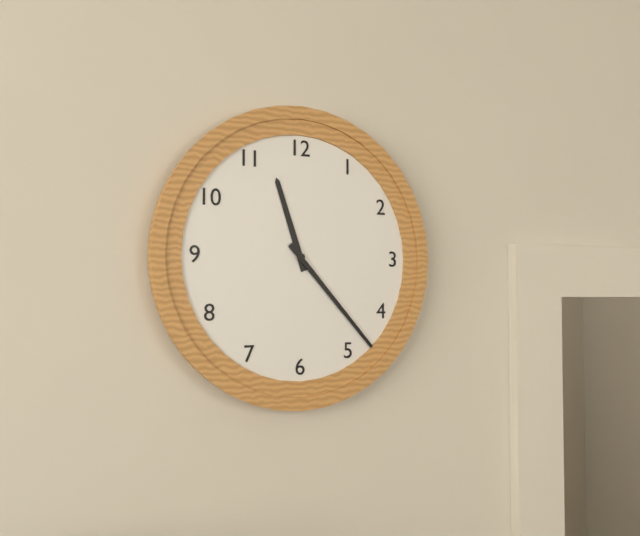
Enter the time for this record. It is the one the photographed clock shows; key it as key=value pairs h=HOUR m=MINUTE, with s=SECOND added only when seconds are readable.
h=11 m=23
